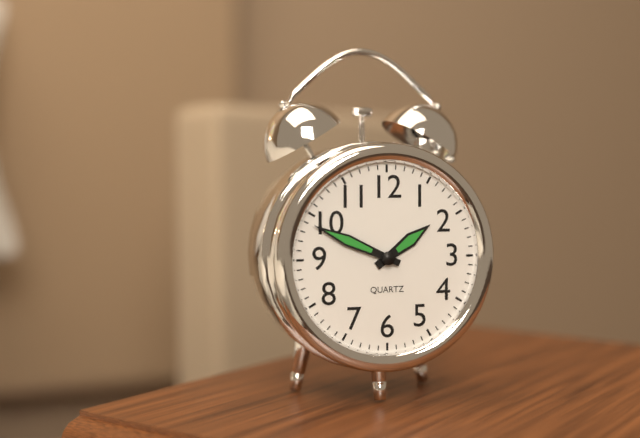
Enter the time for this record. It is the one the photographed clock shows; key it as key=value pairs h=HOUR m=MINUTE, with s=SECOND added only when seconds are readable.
h=1 m=49
